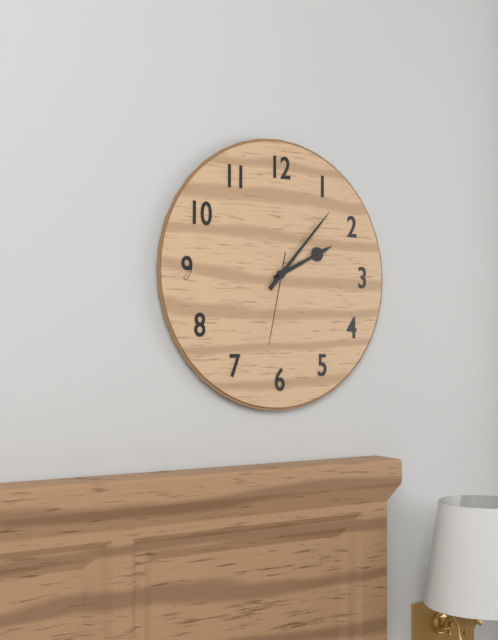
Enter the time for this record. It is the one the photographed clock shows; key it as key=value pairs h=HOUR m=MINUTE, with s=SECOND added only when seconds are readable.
h=2 m=7 s=32
